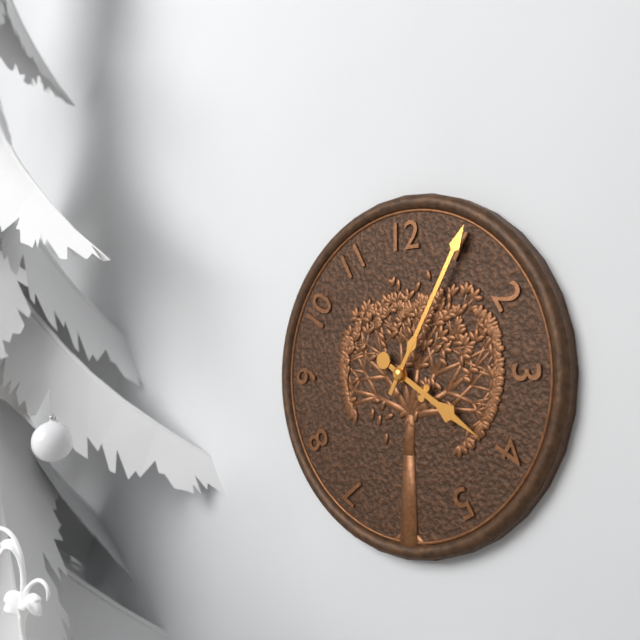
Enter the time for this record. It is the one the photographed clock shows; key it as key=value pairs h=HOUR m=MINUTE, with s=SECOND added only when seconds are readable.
h=4 m=5
